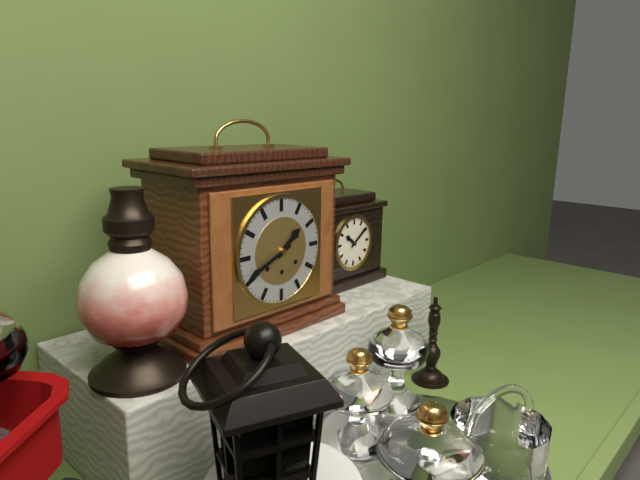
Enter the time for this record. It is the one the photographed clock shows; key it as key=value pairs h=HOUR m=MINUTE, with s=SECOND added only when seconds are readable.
h=1 m=41
